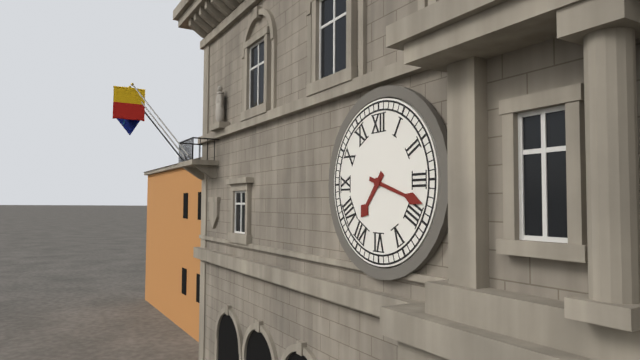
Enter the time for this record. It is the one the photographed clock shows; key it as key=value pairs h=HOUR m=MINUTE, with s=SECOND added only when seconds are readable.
h=7 m=18
